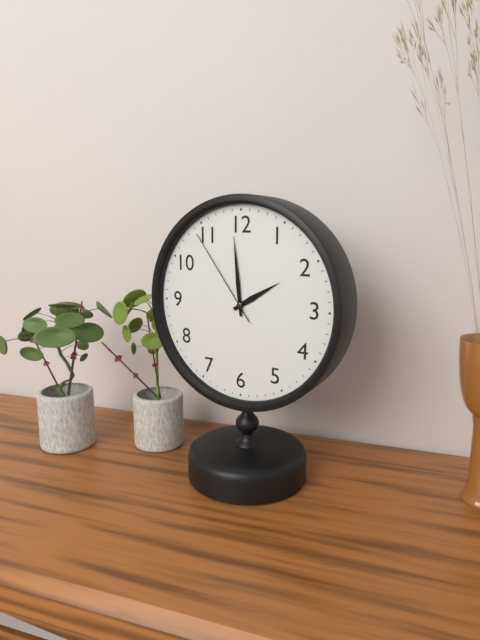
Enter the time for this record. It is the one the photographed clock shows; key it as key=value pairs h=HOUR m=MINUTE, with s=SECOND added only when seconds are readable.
h=1 m=59 s=54
